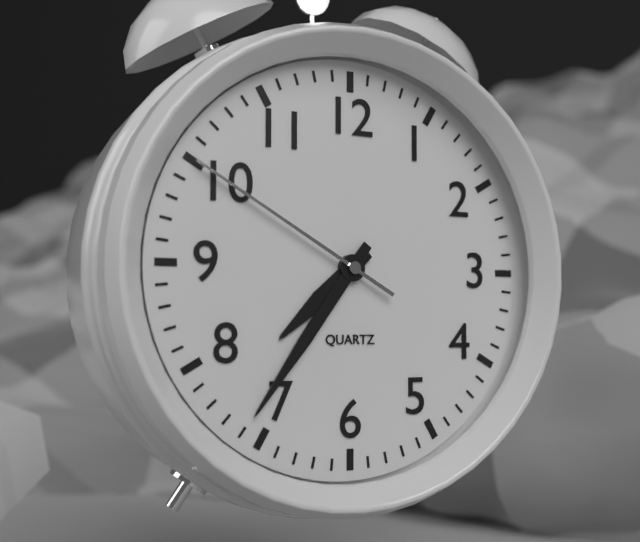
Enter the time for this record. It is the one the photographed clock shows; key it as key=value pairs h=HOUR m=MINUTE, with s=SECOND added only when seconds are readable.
h=7 m=36 s=50
